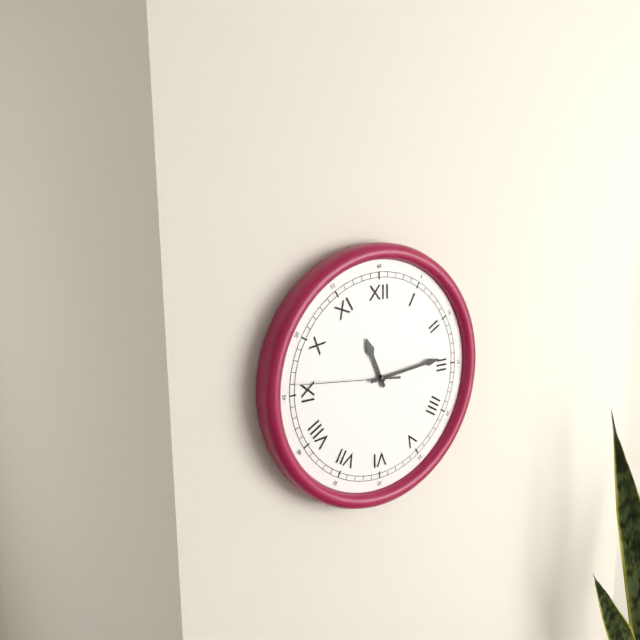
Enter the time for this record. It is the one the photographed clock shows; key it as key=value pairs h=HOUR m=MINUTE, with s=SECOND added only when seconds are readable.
h=11 m=14 s=46
